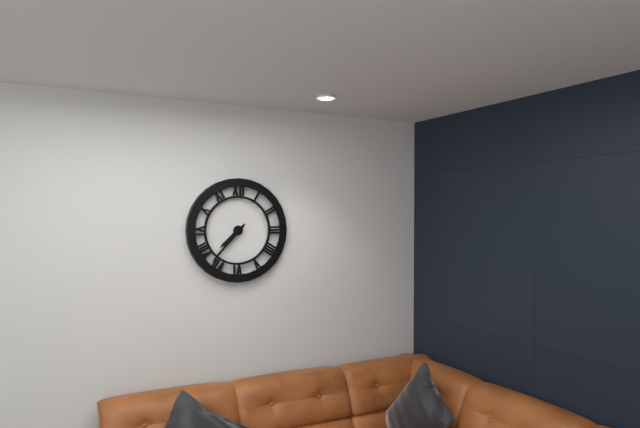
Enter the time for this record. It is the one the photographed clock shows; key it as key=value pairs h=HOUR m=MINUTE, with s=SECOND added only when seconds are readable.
h=7 m=37
